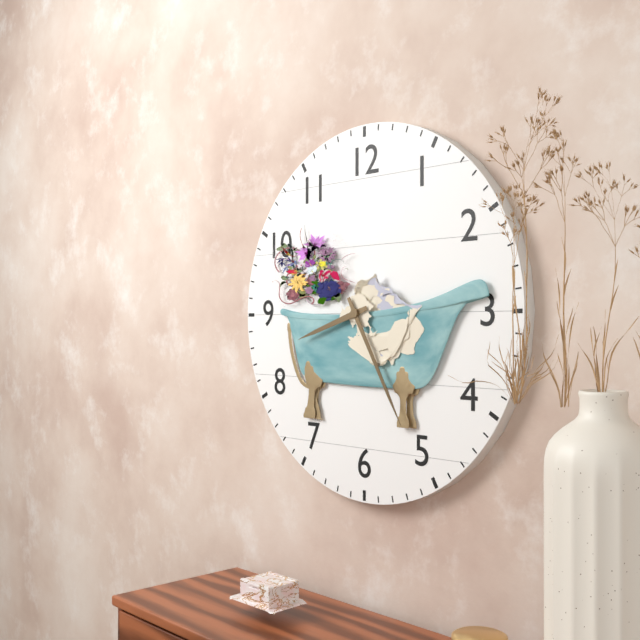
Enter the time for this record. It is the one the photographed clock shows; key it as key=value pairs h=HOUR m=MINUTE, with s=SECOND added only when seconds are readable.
h=8 m=25
